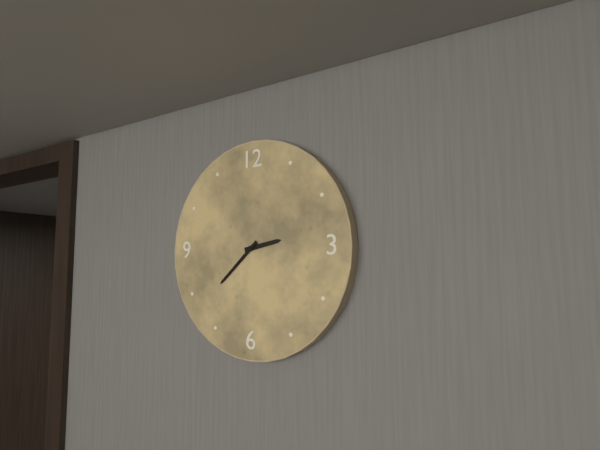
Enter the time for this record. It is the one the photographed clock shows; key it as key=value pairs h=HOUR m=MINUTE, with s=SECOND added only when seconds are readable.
h=2 m=38
